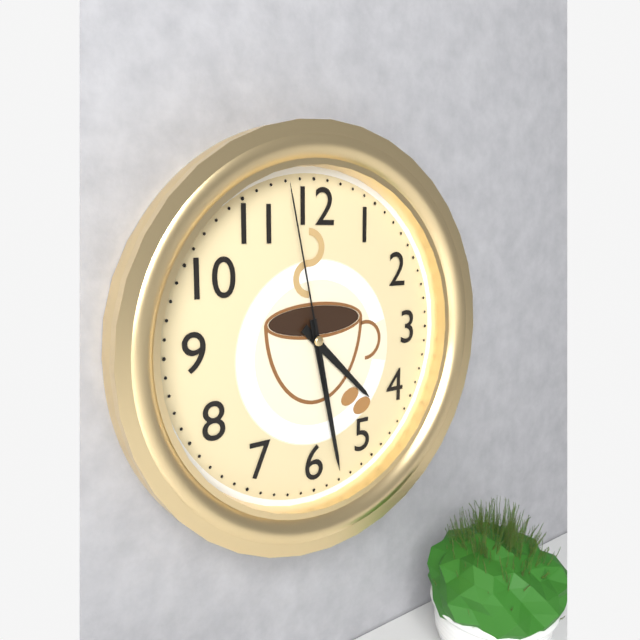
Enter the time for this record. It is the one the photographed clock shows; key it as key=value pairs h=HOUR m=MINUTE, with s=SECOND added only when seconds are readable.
h=4 m=28 s=58
